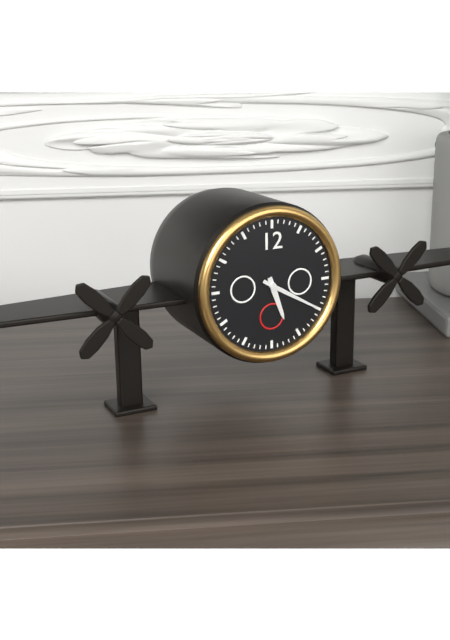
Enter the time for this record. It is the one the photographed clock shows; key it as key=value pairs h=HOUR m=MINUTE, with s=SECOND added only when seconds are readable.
h=5 m=20
